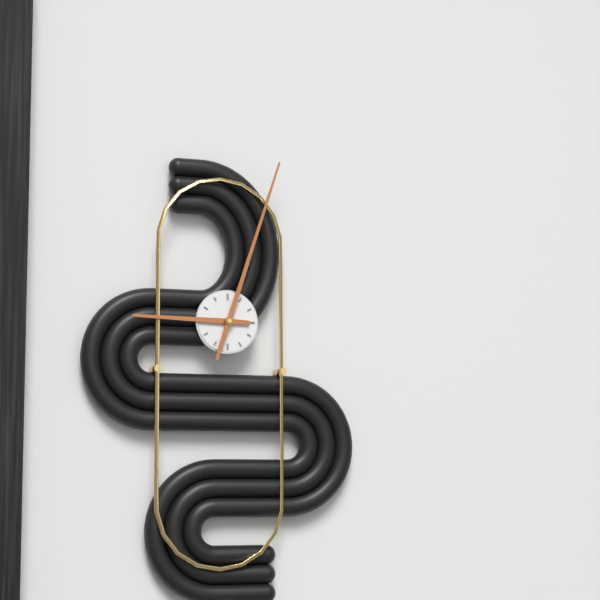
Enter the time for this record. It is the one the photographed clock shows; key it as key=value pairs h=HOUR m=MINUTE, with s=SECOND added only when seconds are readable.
h=9 m=3
